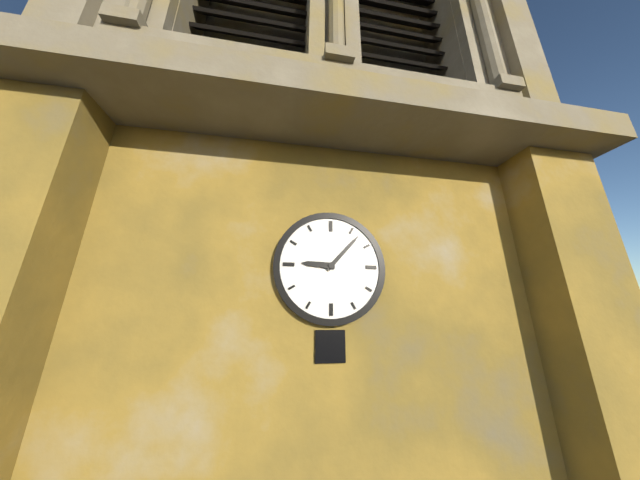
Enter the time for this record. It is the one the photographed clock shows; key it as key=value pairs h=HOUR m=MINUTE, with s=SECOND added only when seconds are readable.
h=9 m=7
